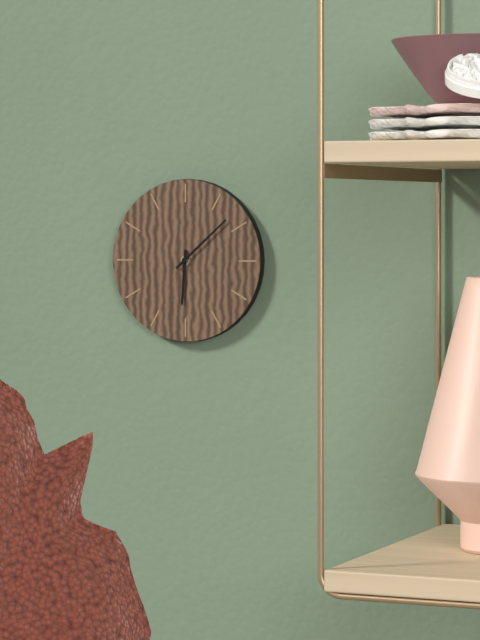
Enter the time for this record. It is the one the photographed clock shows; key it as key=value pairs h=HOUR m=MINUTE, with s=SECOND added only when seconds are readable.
h=6 m=8
